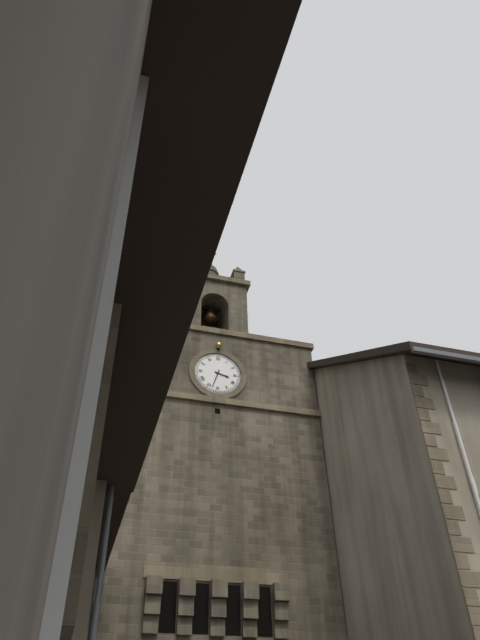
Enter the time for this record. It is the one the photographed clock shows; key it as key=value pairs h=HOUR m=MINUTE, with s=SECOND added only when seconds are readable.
h=3 m=33
